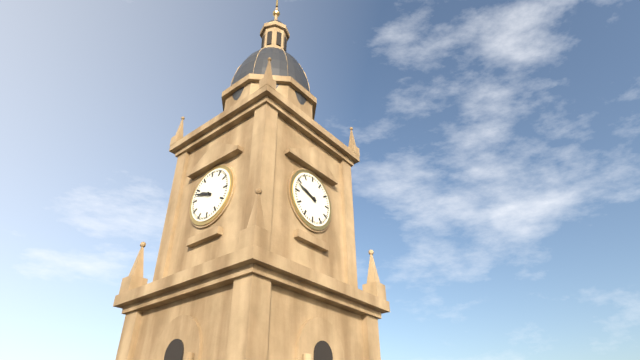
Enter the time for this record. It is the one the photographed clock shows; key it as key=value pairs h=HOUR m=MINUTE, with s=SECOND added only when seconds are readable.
h=9 m=48
